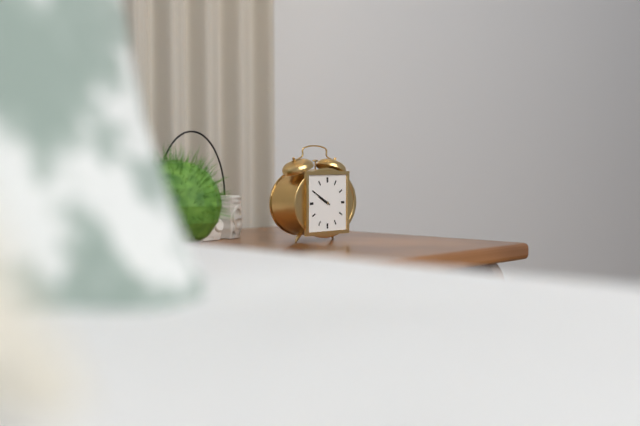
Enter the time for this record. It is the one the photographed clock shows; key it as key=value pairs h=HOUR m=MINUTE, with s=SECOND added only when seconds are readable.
h=9 m=50
